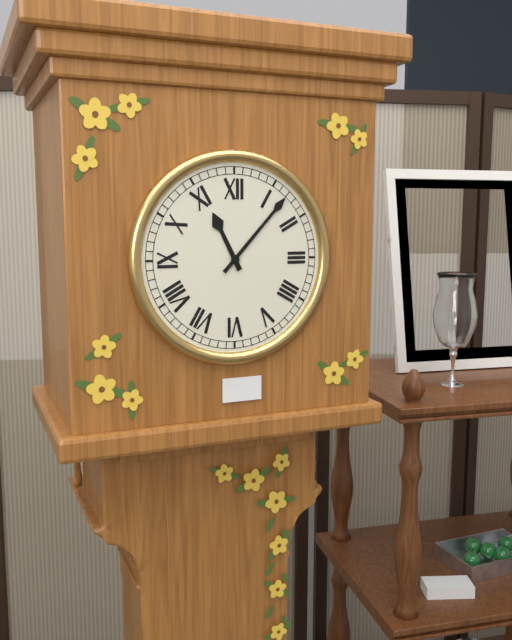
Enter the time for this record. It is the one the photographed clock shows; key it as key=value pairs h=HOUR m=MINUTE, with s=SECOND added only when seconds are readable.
h=11 m=7
